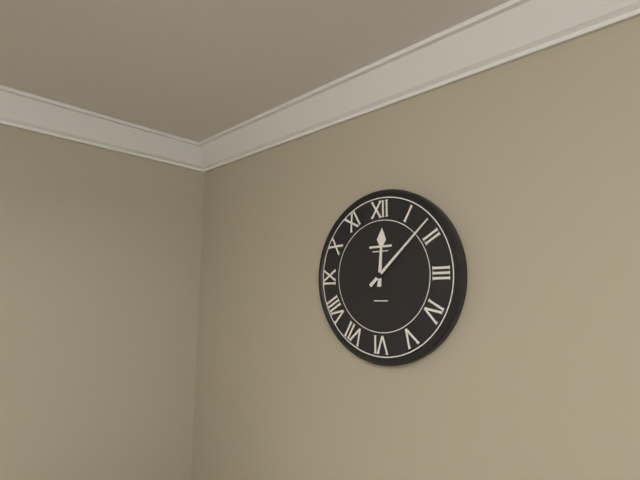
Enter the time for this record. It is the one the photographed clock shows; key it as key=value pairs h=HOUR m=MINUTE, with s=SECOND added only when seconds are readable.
h=12 m=8
